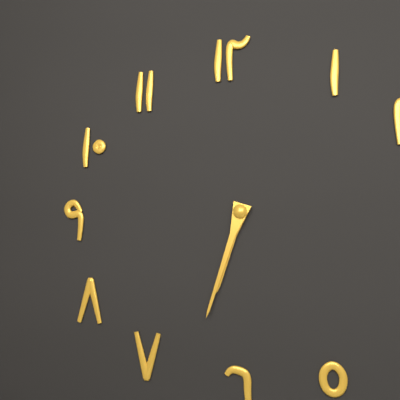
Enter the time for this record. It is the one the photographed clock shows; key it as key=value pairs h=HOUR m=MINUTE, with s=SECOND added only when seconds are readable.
h=6 m=33
